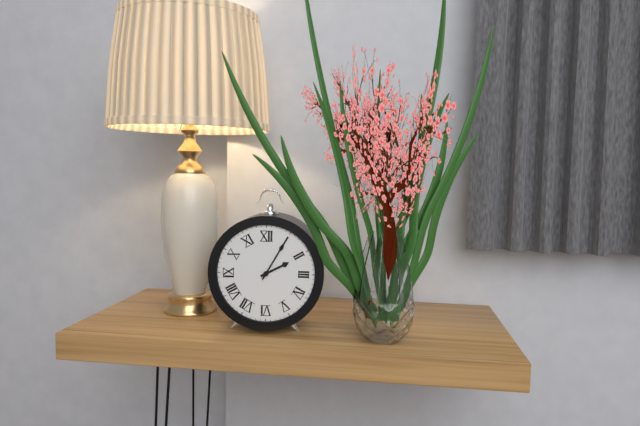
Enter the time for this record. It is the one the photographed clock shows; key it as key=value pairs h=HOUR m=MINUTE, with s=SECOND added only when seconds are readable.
h=2 m=5
